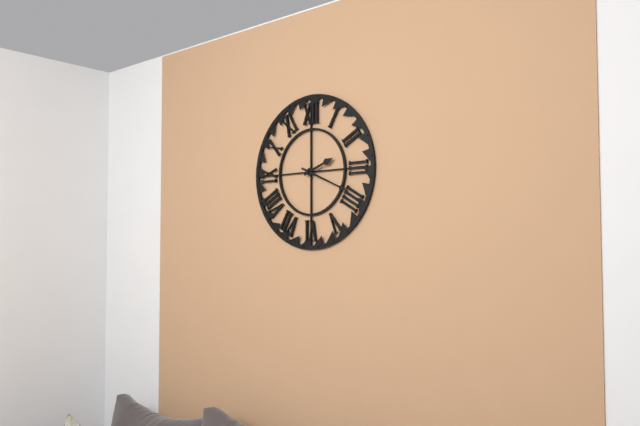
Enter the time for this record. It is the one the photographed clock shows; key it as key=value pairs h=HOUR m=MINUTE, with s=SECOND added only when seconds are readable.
h=2 m=19
